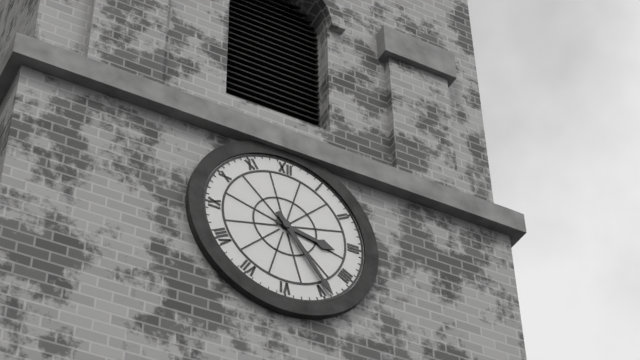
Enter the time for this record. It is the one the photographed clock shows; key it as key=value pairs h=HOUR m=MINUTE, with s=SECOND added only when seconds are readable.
h=3 m=24
